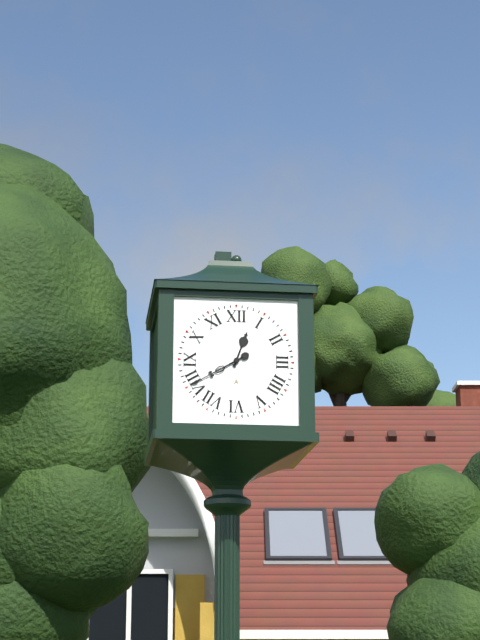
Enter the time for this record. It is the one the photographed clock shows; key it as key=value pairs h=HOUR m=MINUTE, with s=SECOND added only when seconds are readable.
h=12 m=40
